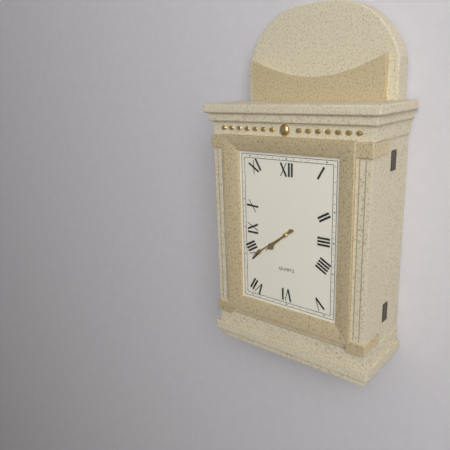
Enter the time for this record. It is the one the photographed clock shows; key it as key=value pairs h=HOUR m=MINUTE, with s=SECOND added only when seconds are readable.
h=7 m=39
